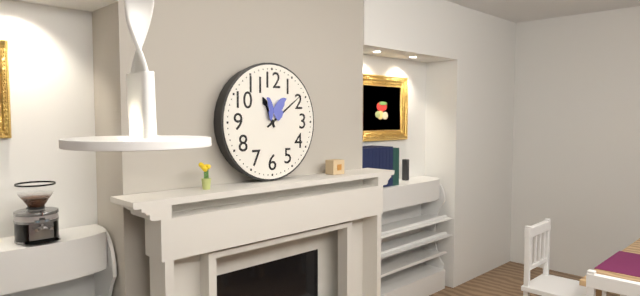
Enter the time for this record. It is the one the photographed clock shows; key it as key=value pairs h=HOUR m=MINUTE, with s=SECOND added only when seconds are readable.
h=11 m=9
